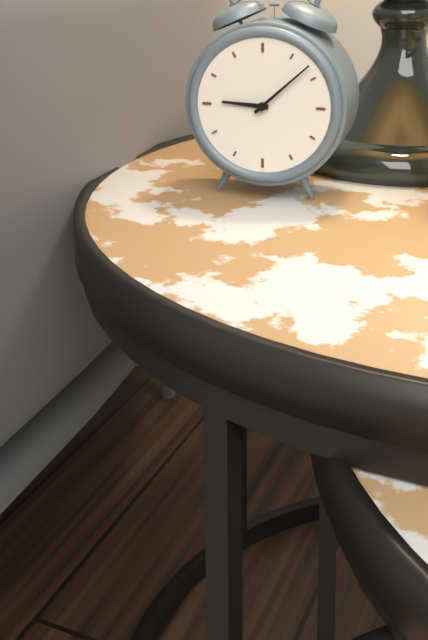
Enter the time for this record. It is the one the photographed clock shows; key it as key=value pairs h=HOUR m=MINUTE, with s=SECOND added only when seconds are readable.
h=9 m=8
